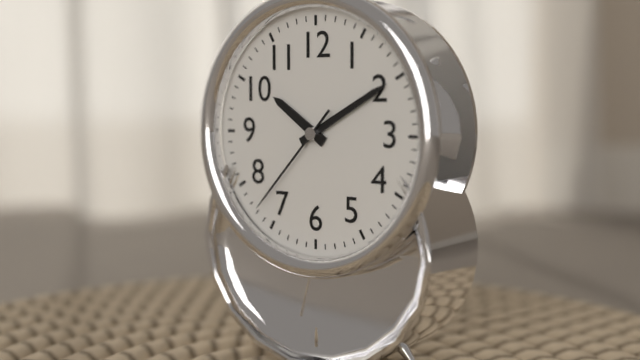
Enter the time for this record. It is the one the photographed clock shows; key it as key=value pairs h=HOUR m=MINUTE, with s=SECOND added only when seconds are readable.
h=10 m=10 s=37
